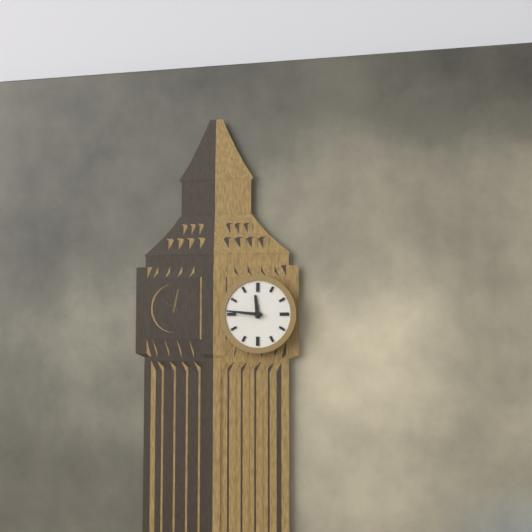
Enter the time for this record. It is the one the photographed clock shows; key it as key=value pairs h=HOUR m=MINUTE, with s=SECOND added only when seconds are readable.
h=11 m=46
